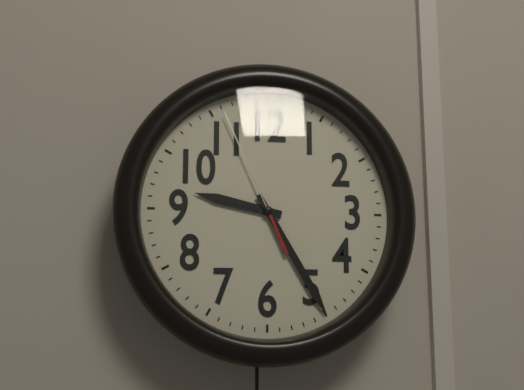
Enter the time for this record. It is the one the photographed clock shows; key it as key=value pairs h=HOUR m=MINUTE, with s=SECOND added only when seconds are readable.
h=9 m=25 s=56
